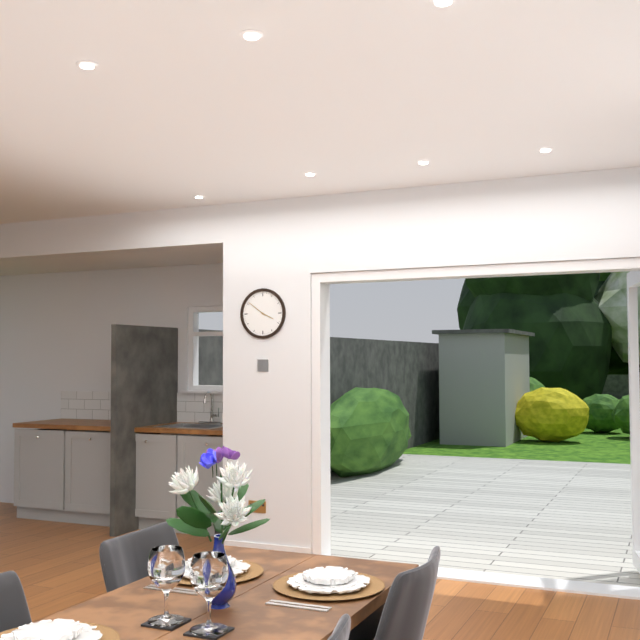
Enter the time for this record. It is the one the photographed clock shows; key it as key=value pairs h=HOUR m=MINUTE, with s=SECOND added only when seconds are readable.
h=3 m=51
